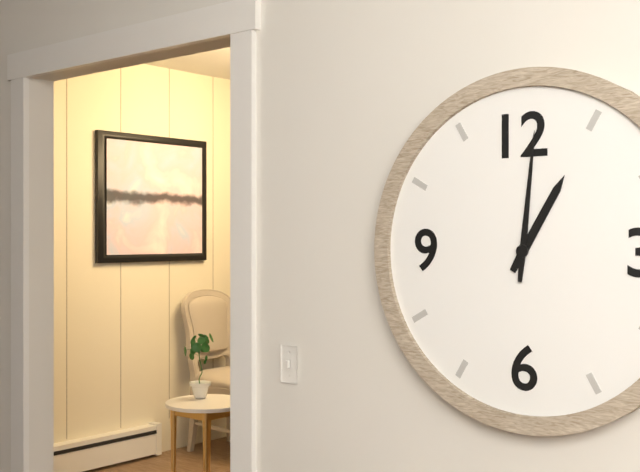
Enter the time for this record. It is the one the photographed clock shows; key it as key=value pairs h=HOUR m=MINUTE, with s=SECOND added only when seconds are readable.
h=1 m=1
